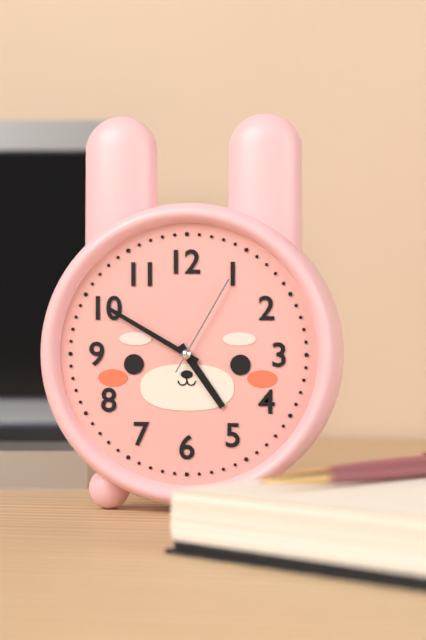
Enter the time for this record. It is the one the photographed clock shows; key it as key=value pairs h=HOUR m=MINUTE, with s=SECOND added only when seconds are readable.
h=4 m=50 s=5
